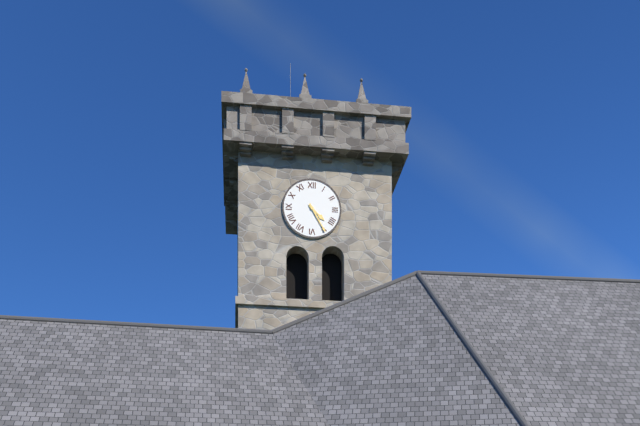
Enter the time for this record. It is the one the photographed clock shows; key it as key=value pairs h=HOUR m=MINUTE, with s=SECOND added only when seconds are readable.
h=4 m=25
